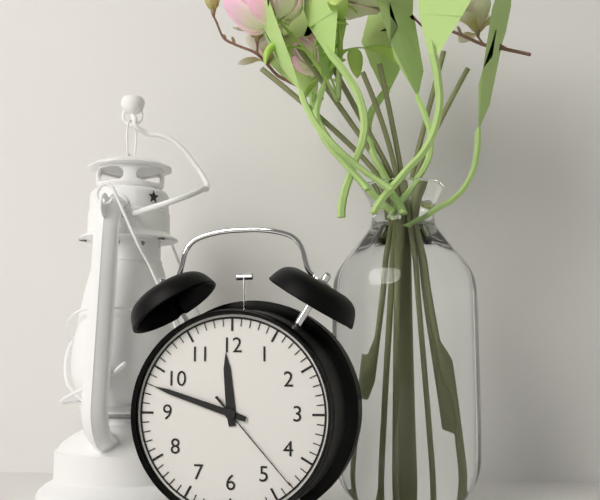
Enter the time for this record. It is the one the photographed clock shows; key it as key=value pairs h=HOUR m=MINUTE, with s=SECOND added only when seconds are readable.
h=11 m=48 s=23
